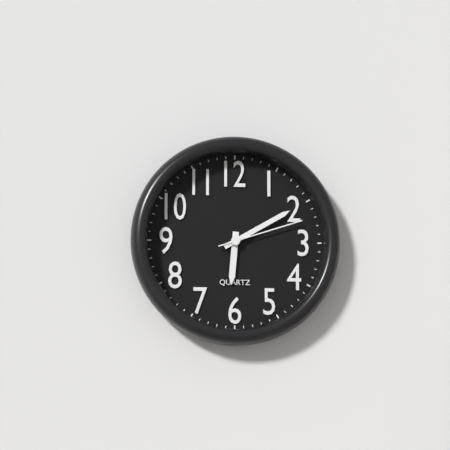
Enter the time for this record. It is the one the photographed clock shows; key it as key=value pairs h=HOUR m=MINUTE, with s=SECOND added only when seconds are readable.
h=6 m=10 s=12
